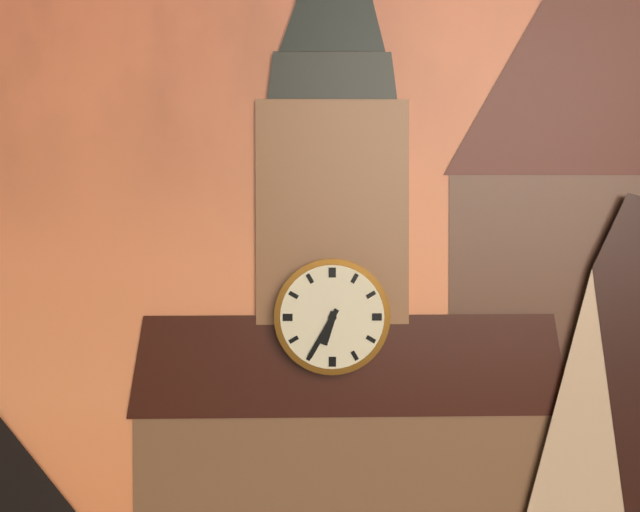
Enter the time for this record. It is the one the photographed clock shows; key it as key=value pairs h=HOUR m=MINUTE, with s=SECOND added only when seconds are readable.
h=6 m=35
